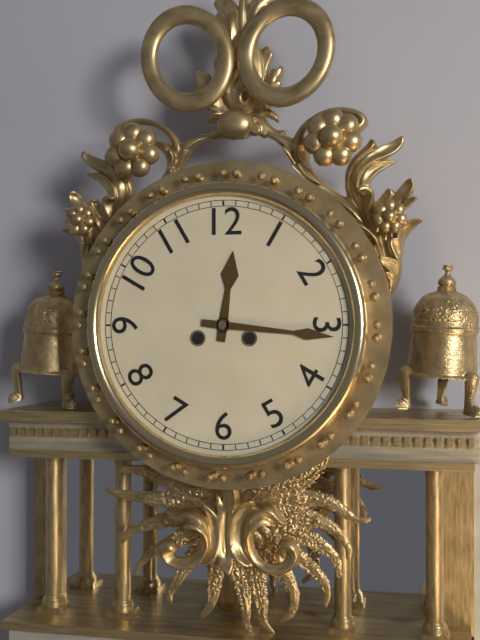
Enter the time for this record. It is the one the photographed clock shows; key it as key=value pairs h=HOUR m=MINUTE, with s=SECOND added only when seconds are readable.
h=12 m=16
